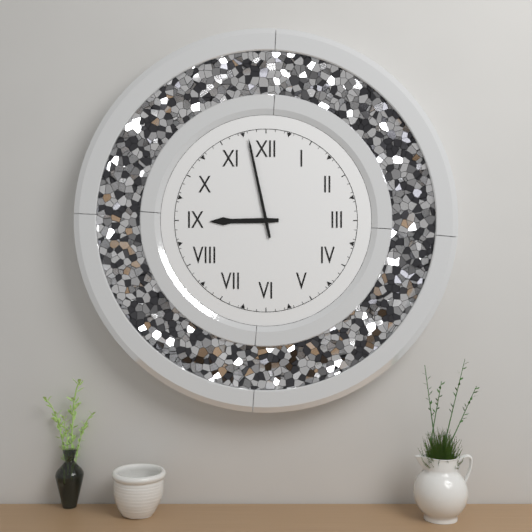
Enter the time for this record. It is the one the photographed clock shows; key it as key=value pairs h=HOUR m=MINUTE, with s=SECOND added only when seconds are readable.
h=8 m=58
